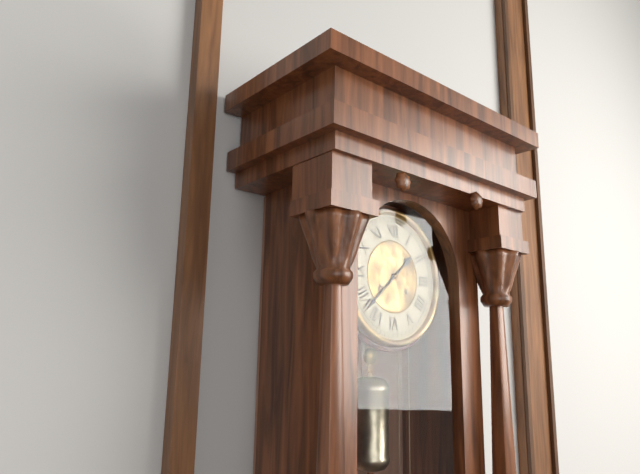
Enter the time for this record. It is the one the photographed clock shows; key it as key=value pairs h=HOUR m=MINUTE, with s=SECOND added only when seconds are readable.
h=1 m=38
